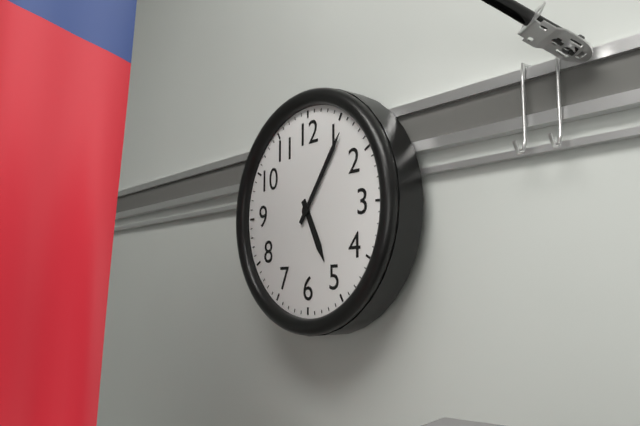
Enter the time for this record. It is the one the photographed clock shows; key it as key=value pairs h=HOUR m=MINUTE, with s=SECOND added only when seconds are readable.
h=5 m=6
